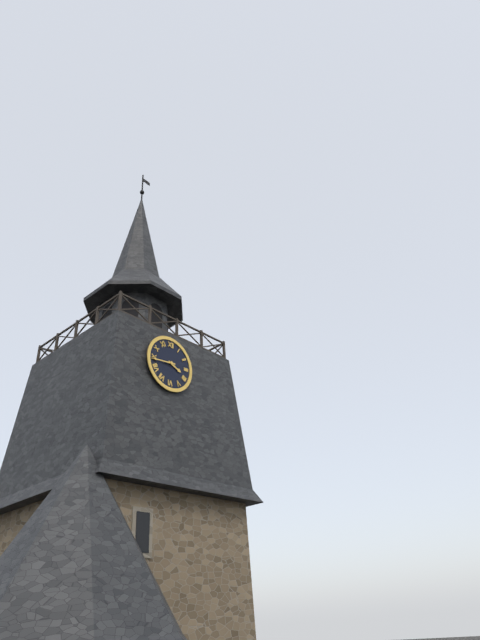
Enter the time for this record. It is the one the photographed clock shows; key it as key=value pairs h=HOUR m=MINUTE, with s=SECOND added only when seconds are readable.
h=3 m=44
